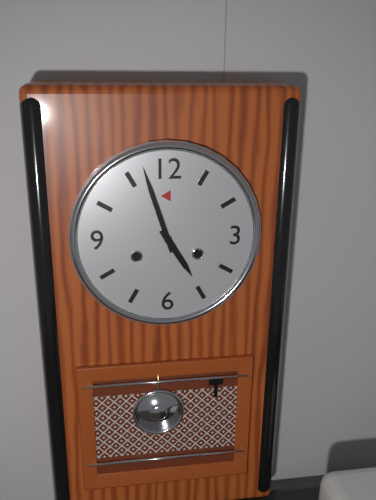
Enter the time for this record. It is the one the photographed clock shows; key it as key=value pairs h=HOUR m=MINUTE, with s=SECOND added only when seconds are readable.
h=4 m=57
